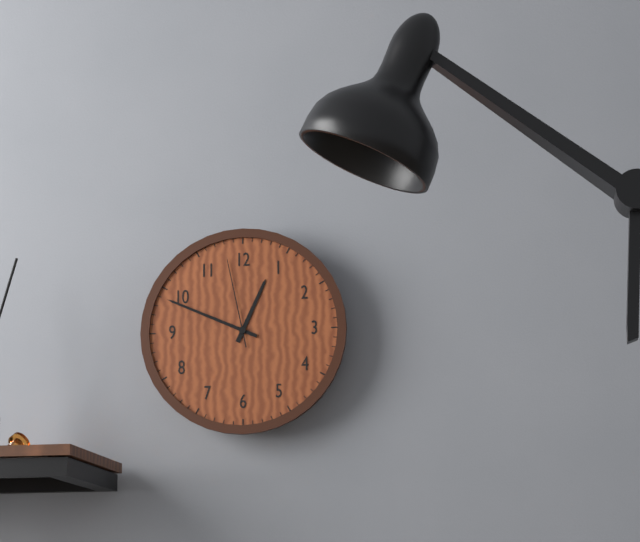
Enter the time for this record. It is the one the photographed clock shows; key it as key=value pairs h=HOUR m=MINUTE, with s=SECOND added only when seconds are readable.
h=12 m=49 s=58
